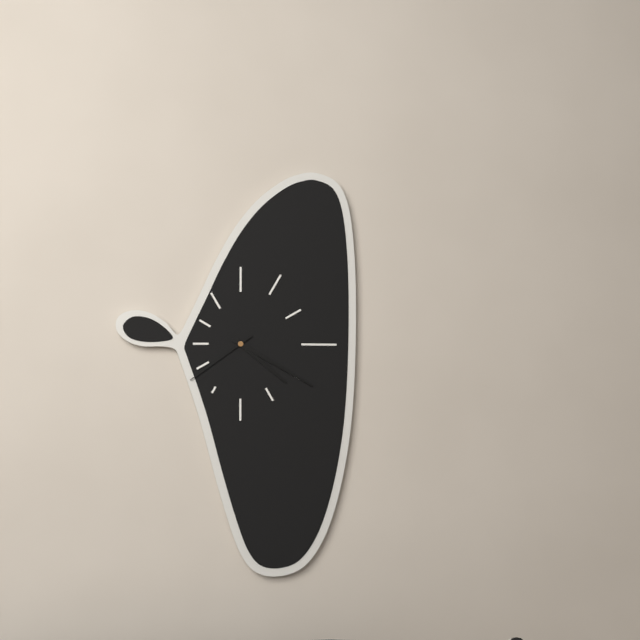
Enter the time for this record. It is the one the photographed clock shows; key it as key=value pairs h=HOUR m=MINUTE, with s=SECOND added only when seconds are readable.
h=4 m=20 s=39
